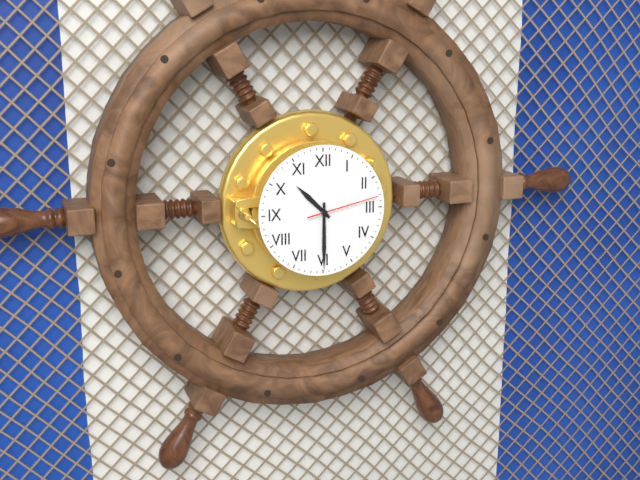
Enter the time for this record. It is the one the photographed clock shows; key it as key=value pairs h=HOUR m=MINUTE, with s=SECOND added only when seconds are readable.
h=10 m=30 s=13
